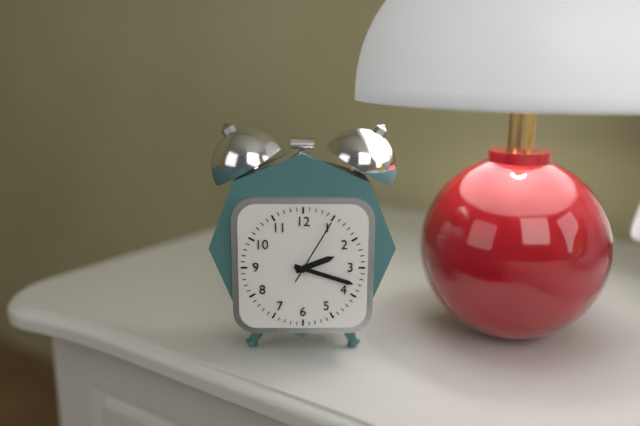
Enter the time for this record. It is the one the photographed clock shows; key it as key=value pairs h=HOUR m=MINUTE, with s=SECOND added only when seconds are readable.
h=2 m=18 s=5
